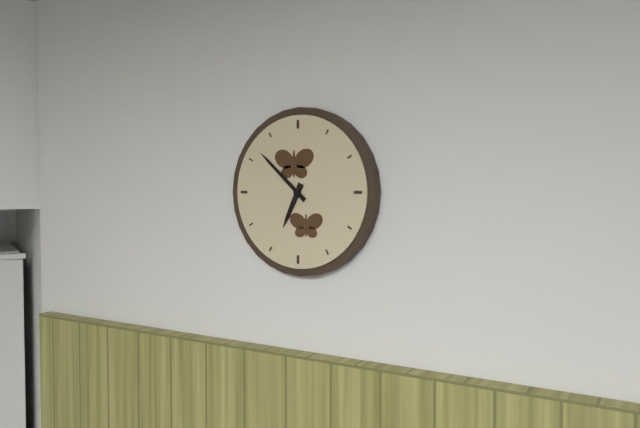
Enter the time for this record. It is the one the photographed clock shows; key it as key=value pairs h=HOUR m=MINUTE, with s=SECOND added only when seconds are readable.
h=6 m=52
